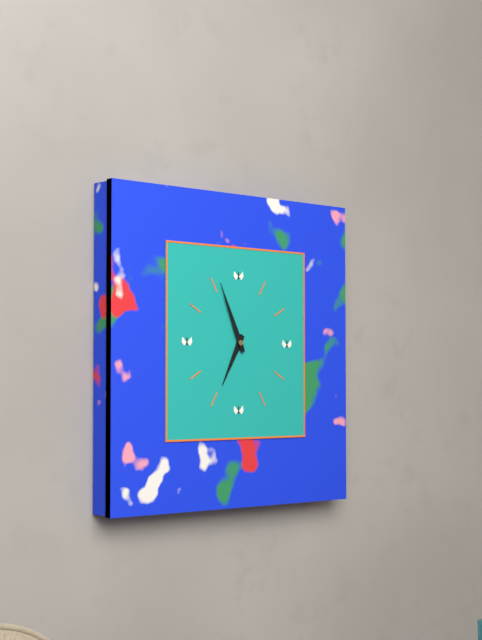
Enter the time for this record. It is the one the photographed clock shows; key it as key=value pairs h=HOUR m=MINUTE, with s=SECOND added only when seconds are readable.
h=6 m=56
